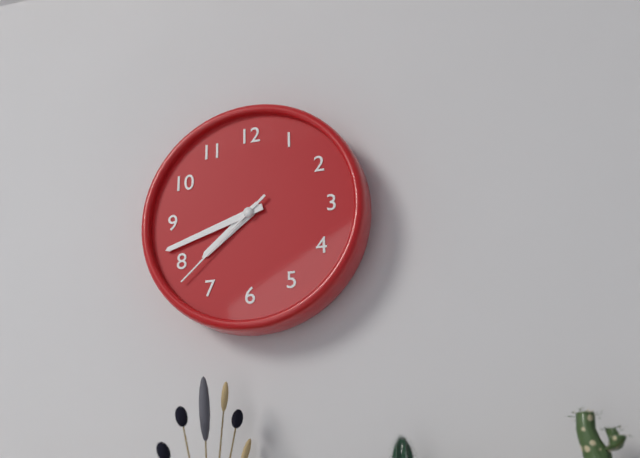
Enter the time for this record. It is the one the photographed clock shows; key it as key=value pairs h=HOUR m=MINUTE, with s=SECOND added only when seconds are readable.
h=7 m=42 s=38
